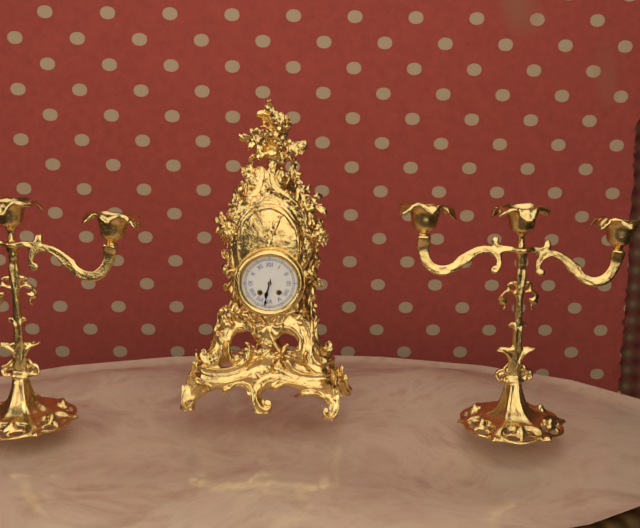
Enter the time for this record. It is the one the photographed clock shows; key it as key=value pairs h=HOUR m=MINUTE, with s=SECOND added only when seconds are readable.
h=6 m=32
